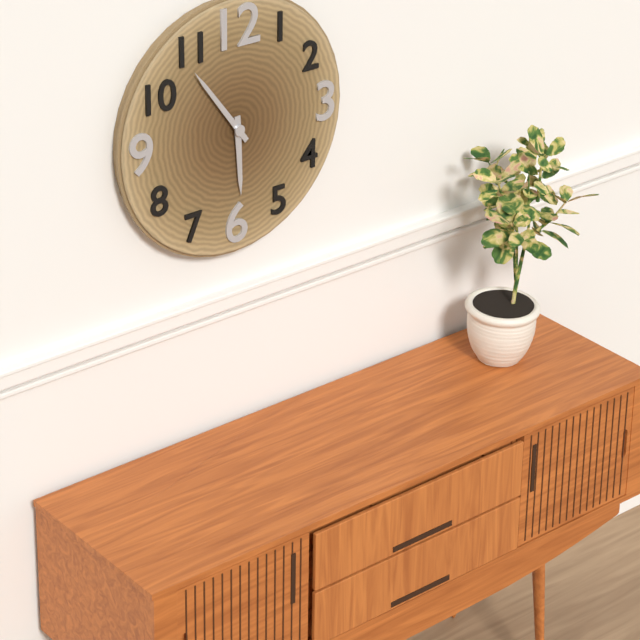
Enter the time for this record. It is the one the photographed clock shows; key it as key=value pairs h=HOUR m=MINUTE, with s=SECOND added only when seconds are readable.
h=5 m=54
